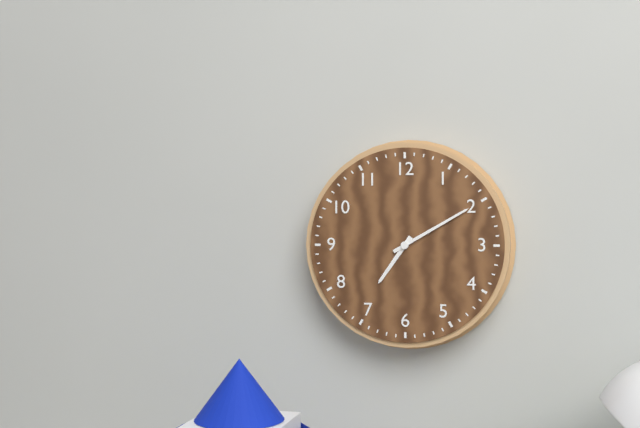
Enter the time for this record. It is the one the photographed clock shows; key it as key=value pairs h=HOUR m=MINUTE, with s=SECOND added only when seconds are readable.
h=7 m=10
